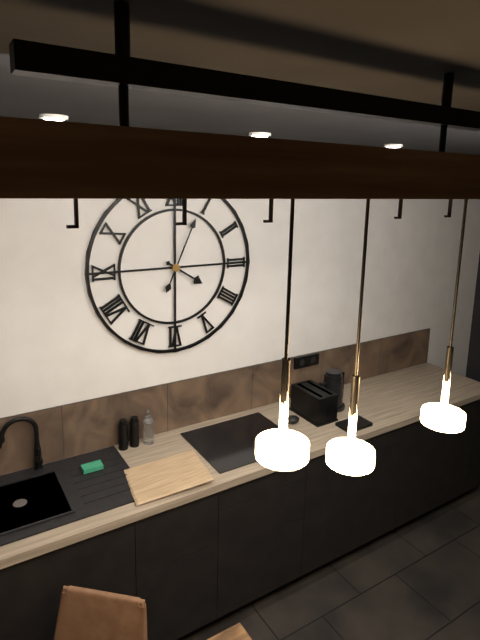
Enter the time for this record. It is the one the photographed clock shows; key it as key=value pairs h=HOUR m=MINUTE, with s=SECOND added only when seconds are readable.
h=4 m=4
